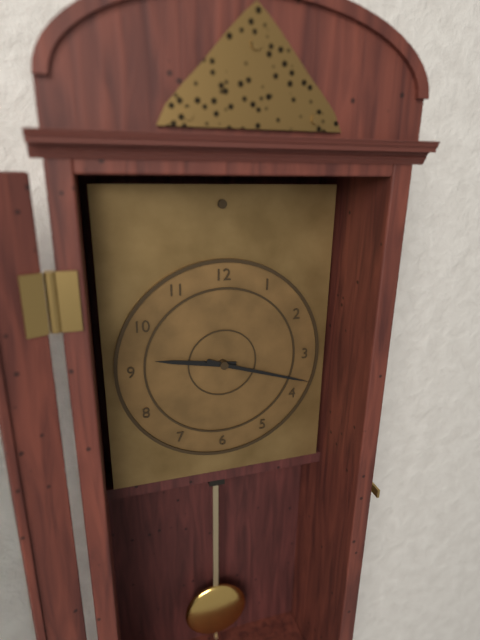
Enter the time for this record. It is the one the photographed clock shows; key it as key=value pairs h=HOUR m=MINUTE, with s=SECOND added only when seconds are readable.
h=9 m=18
